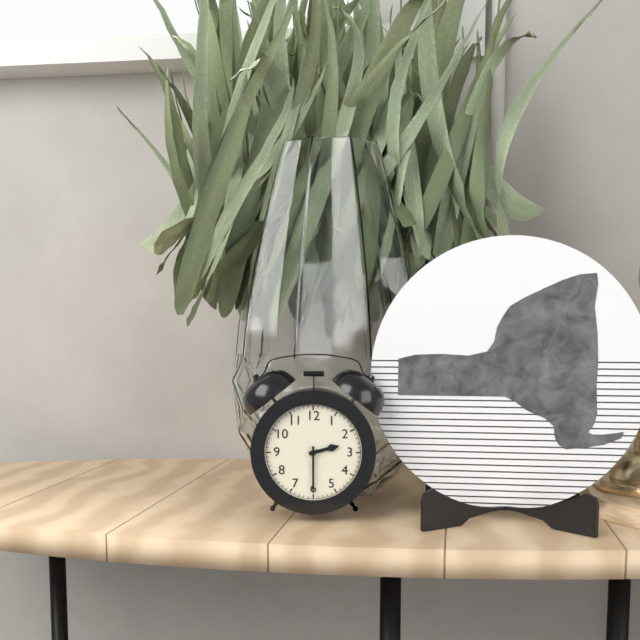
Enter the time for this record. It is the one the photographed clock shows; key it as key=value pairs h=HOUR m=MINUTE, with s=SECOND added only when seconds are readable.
h=2 m=30
